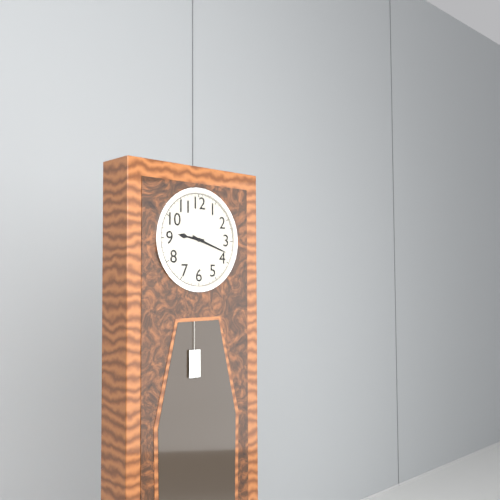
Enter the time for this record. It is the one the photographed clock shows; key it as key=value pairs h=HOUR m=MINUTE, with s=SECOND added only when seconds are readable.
h=9 m=18
